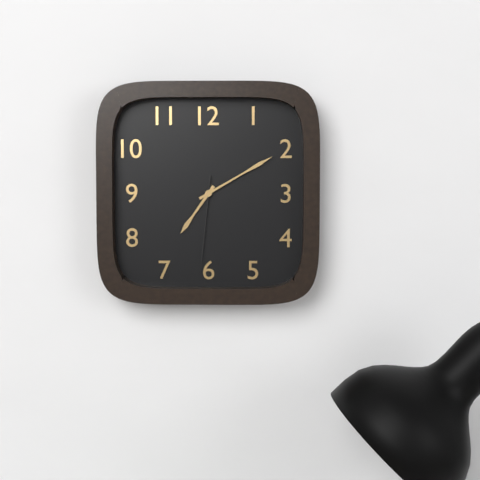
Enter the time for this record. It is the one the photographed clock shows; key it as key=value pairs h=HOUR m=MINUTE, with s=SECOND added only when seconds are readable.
h=7 m=10 s=31
